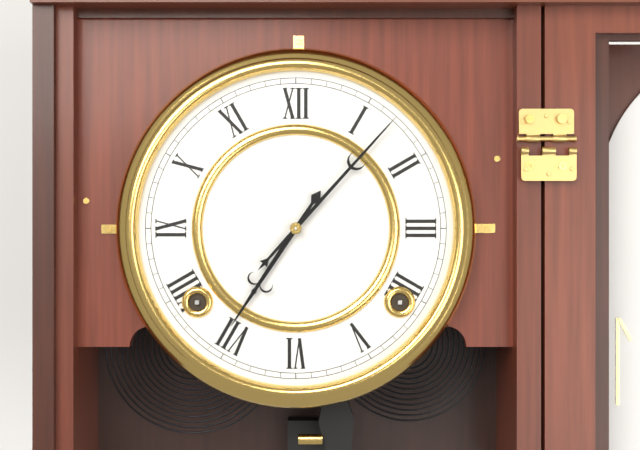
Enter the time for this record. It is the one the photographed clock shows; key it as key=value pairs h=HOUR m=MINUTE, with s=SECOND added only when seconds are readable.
h=7 m=7
